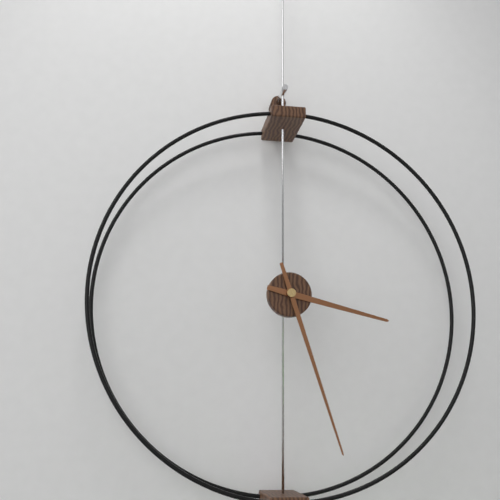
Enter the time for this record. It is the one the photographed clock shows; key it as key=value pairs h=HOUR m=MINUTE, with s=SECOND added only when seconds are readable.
h=3 m=27
